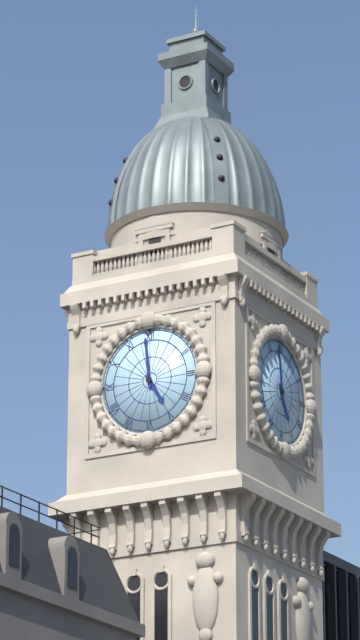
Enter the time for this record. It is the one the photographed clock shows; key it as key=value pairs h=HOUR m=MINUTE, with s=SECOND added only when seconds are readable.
h=4 m=59
